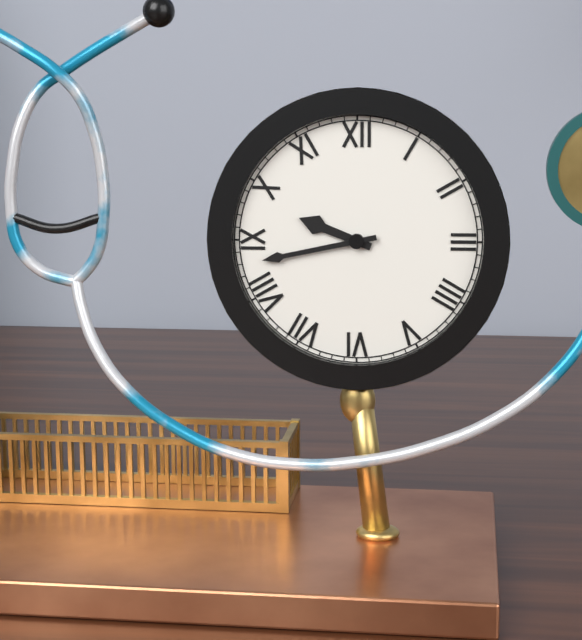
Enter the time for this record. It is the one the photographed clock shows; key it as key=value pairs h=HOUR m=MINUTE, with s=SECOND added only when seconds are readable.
h=9 m=43
